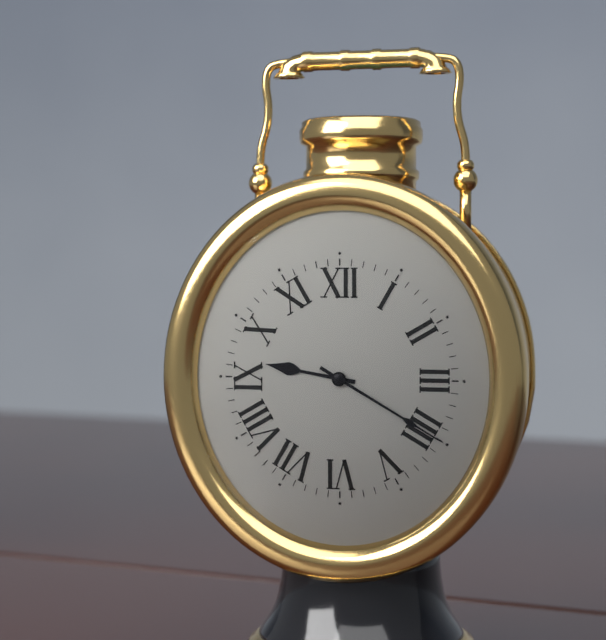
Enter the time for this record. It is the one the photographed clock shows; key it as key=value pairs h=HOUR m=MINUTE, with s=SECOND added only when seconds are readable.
h=9 m=20
